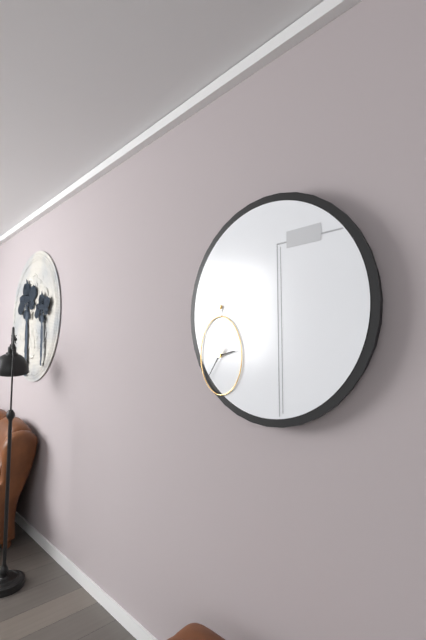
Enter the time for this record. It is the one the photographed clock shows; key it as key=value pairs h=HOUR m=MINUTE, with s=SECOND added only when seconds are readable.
h=2 m=36
